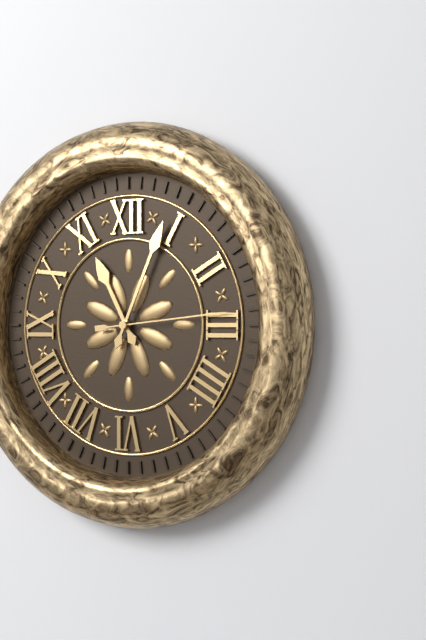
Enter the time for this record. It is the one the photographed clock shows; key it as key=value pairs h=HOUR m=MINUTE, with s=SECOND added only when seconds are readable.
h=11 m=4 s=14
